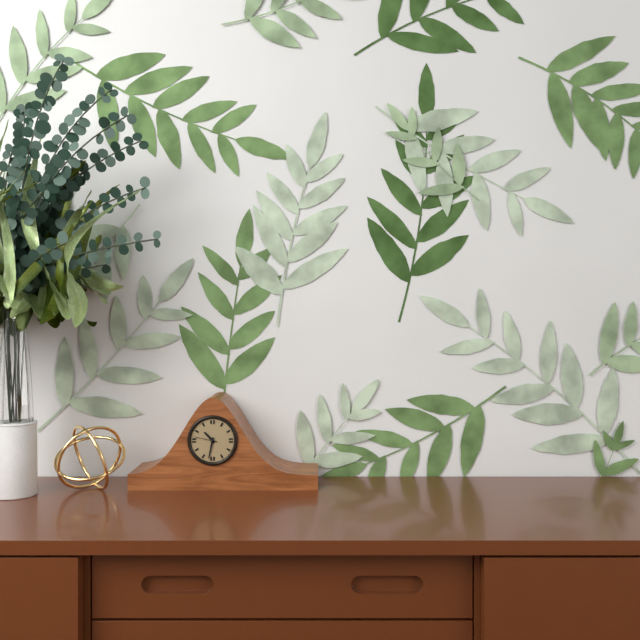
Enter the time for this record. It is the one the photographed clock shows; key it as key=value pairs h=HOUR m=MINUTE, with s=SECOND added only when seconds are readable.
h=10 m=32
